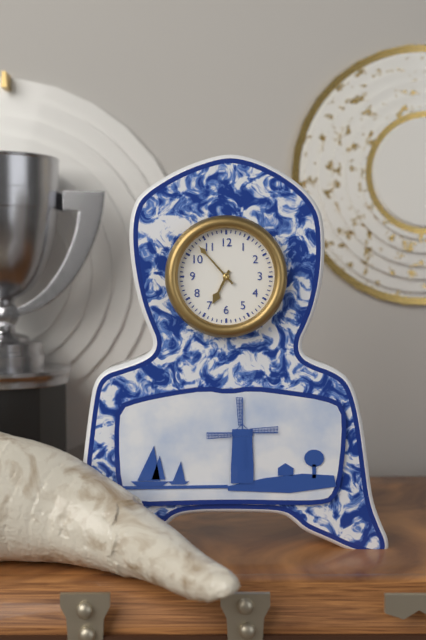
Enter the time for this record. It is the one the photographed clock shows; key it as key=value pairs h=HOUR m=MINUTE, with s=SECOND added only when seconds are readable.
h=6 m=53
